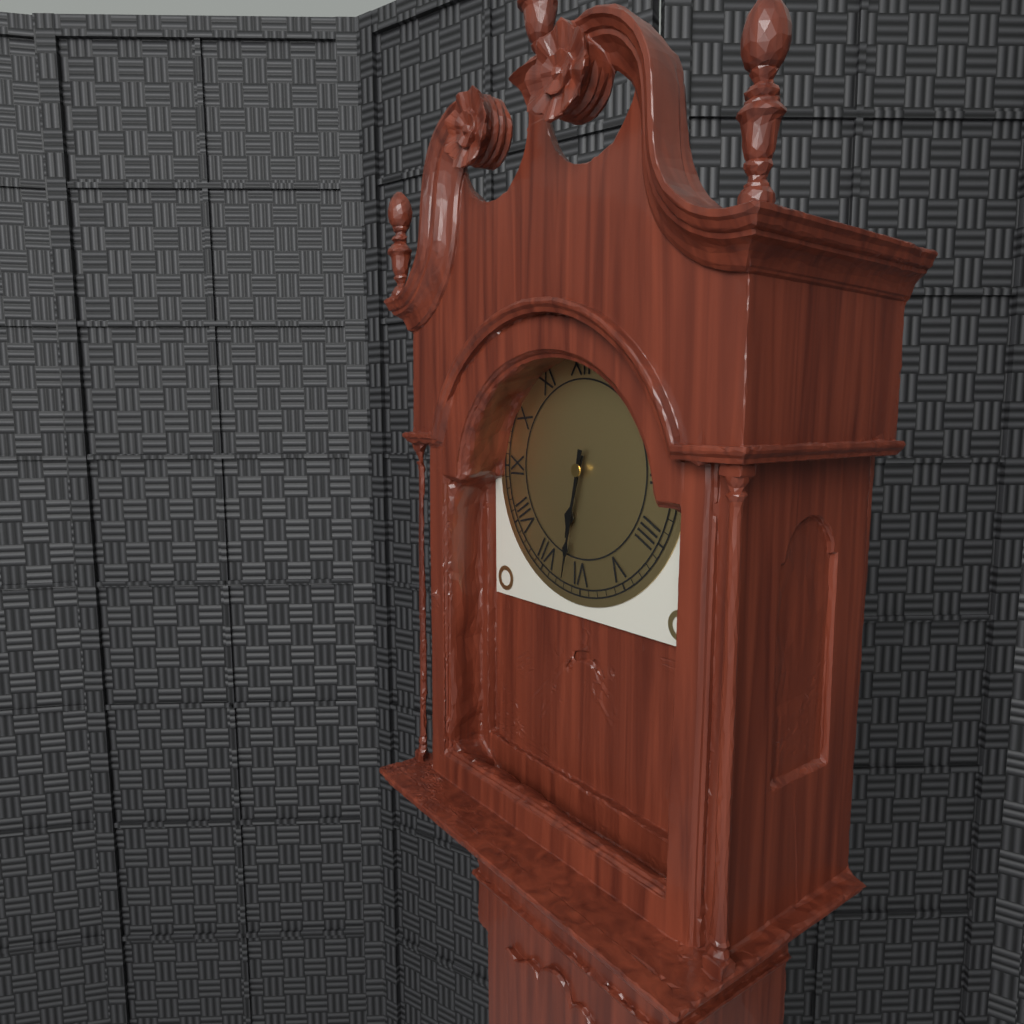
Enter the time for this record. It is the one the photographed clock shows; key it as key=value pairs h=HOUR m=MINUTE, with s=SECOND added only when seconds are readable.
h=6 m=32
